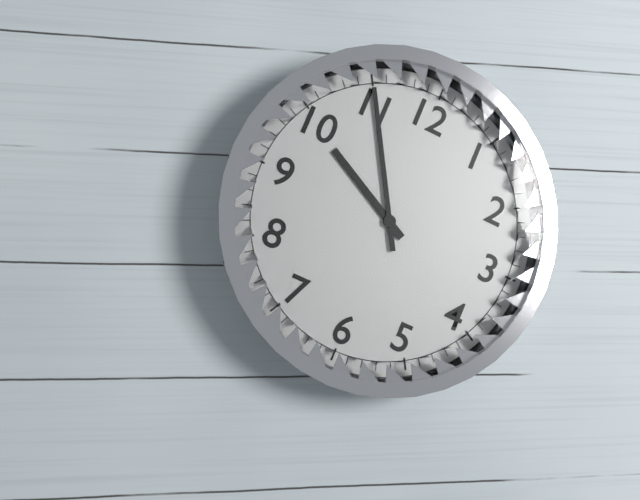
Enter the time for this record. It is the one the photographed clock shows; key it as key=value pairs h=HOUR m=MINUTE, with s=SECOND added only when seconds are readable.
h=9 m=55
